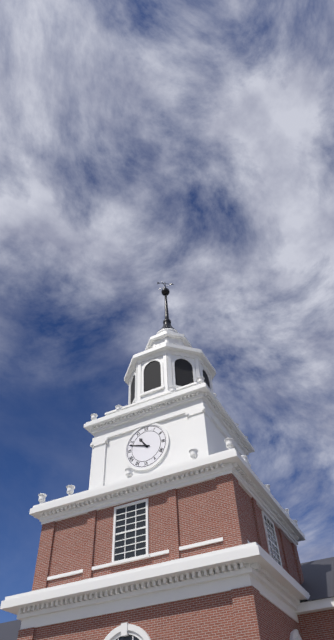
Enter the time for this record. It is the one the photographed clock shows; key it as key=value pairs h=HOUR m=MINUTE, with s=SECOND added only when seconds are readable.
h=10 m=48
